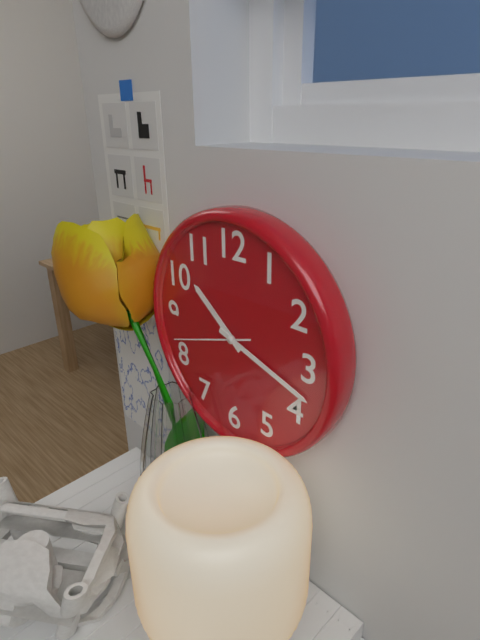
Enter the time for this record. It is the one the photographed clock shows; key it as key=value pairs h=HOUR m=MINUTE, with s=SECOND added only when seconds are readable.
h=10 m=18 s=42
